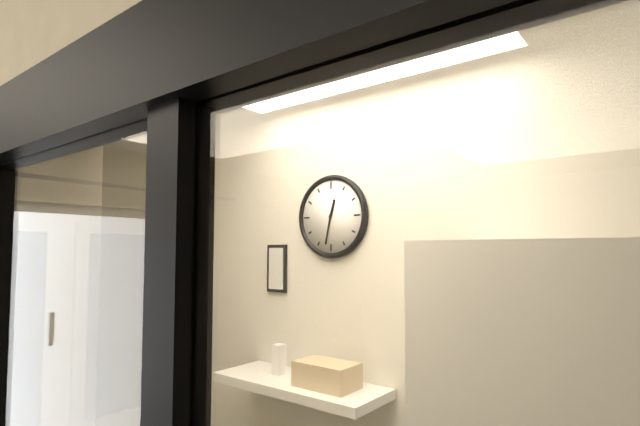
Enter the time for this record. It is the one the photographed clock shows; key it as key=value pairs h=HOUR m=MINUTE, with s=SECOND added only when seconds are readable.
h=12 m=32
